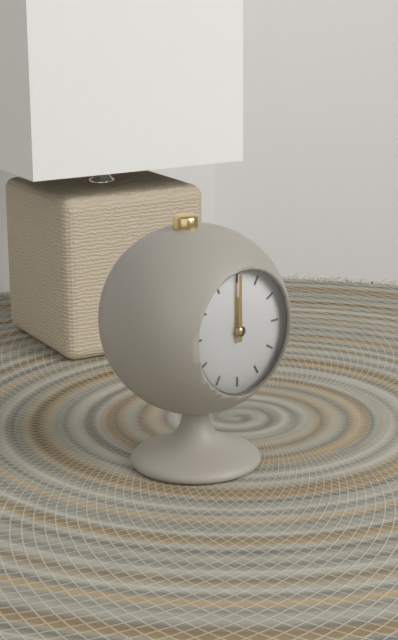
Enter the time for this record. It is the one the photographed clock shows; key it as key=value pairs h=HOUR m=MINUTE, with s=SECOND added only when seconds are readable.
h=12 m=0
